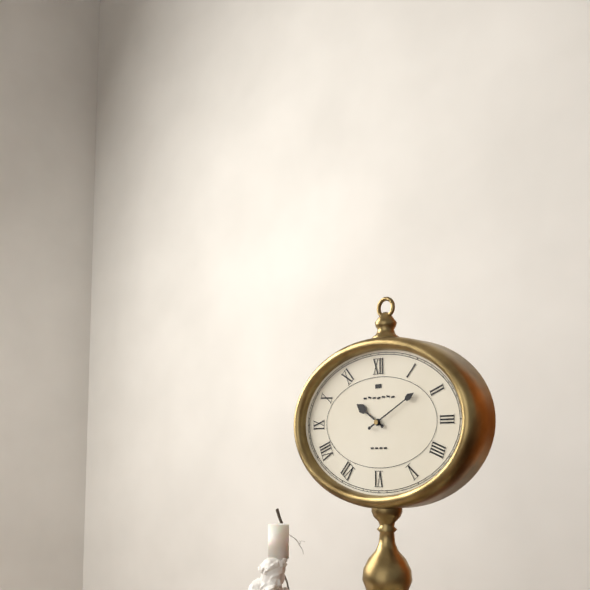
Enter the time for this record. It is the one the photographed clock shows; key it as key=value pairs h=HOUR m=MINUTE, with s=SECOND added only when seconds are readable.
h=10 m=10
